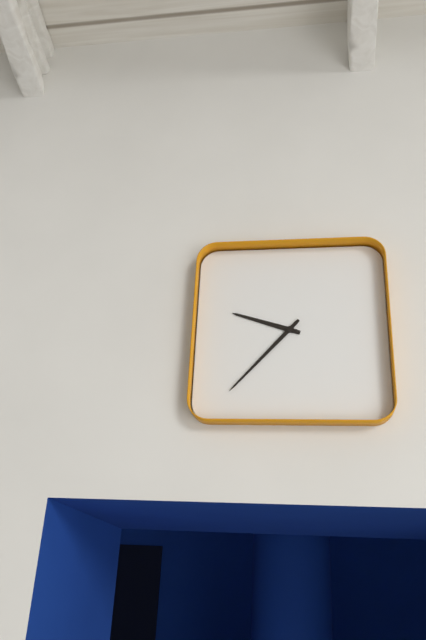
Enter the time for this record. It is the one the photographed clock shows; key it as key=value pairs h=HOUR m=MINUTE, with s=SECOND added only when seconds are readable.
h=9 m=37
